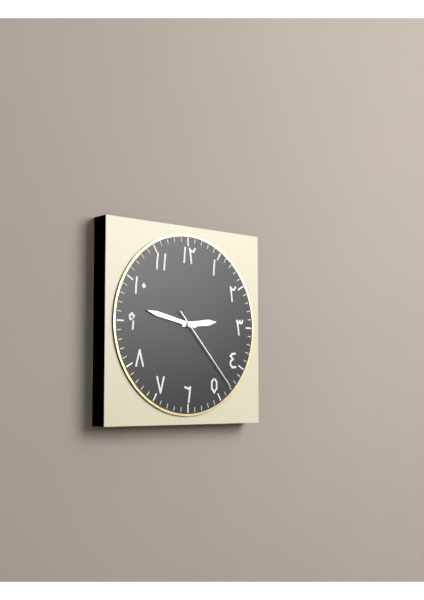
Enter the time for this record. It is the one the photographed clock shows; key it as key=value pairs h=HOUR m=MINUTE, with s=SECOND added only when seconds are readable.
h=2 m=47 s=23
